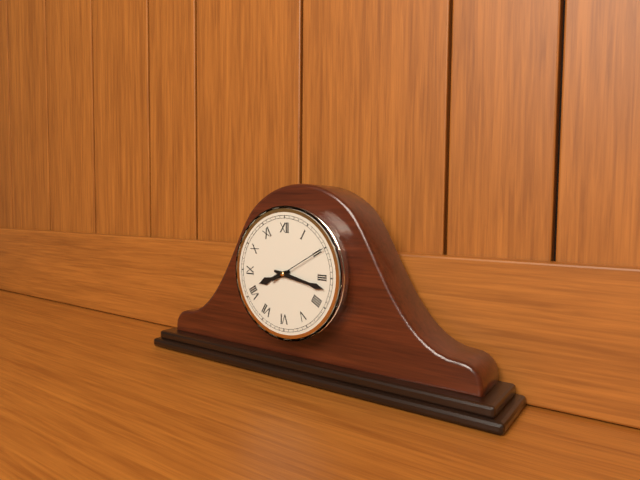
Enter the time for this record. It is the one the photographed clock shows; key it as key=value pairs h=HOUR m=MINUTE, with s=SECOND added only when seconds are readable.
h=8 m=17 s=10
